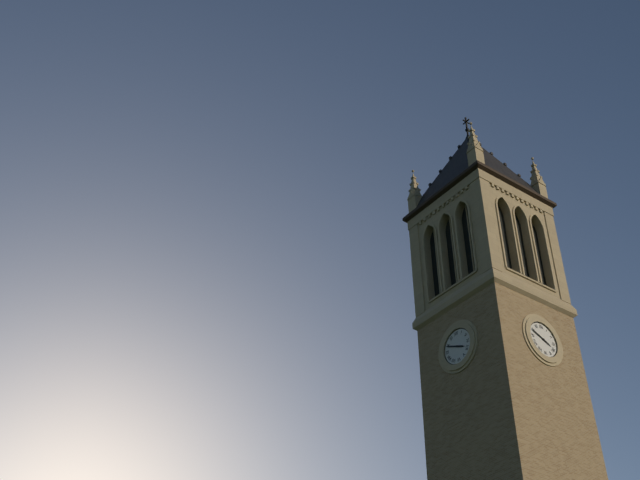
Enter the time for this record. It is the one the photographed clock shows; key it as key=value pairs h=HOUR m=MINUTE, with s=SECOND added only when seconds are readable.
h=3 m=49
